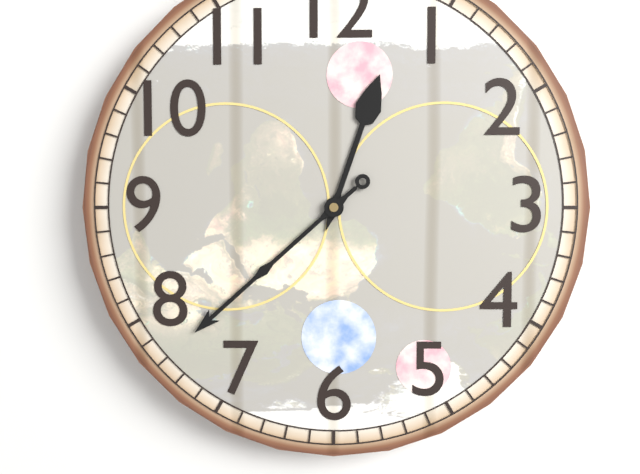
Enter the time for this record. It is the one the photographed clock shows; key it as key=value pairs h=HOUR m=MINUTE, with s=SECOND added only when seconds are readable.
h=12 m=38
